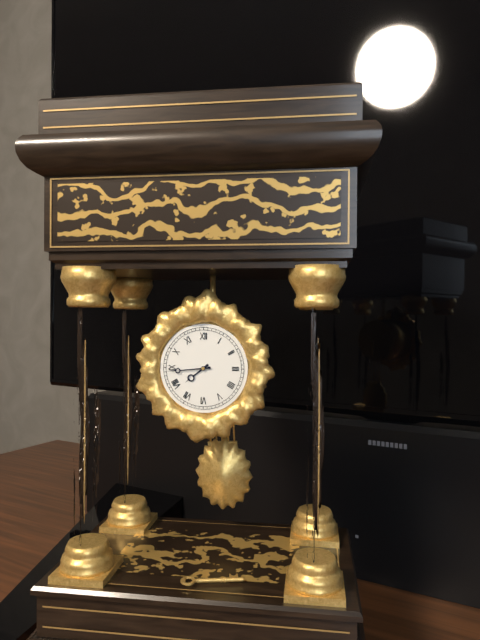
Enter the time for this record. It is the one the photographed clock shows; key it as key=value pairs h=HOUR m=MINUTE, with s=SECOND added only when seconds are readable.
h=7 m=44
